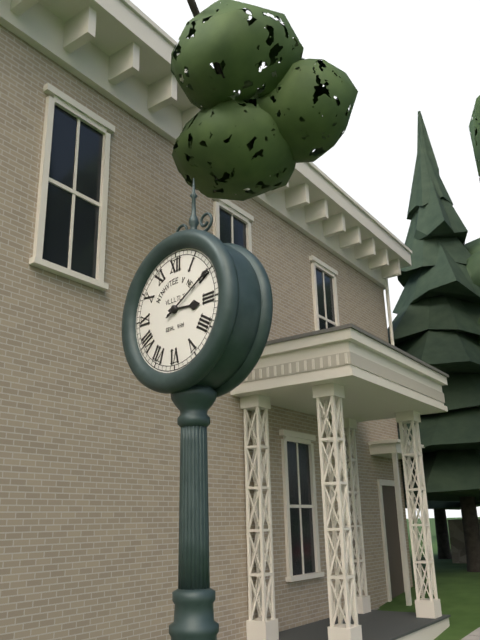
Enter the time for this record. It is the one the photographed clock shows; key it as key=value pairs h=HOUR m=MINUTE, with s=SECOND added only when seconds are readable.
h=3 m=10
